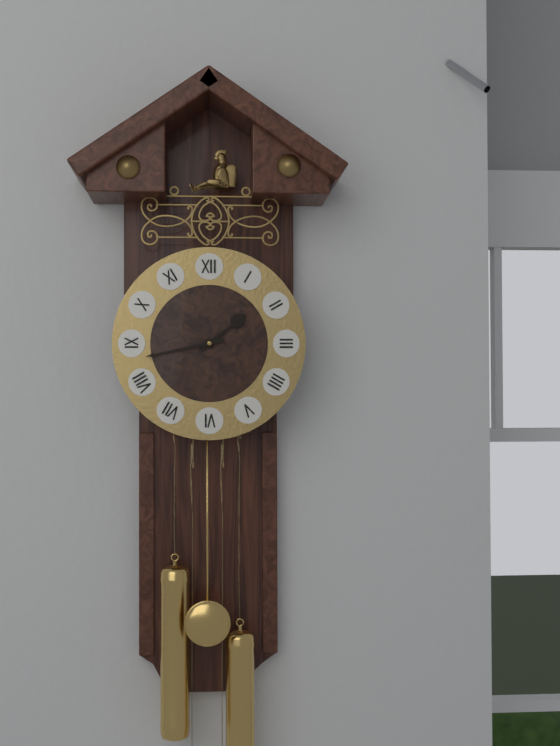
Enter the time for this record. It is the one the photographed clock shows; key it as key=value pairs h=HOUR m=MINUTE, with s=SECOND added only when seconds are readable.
h=1 m=43
